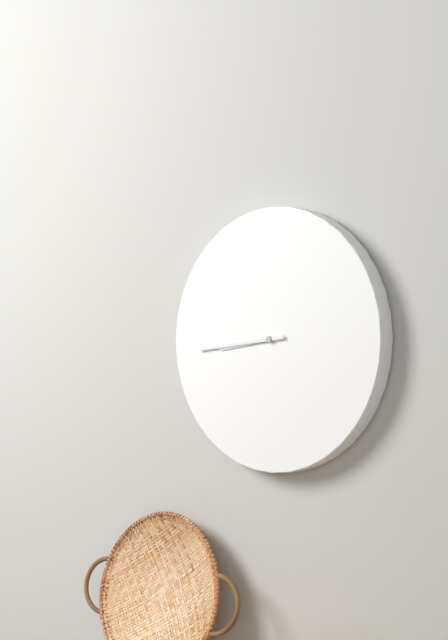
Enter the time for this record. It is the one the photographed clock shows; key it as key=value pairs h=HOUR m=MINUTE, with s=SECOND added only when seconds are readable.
h=8 m=44
